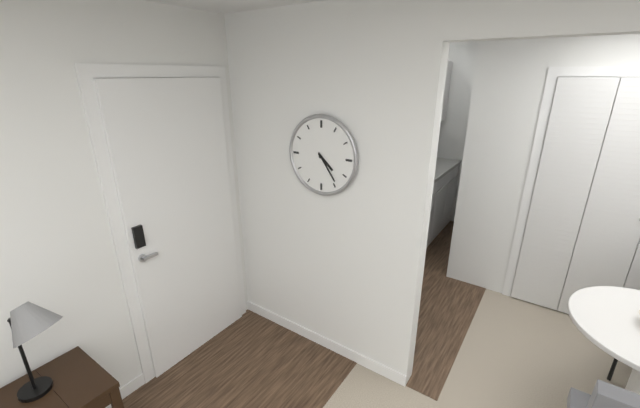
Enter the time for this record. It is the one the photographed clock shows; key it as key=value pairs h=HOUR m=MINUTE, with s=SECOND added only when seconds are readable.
h=4 m=24
